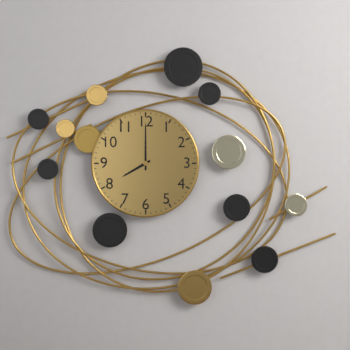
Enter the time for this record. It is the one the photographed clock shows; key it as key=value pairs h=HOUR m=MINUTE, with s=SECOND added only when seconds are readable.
h=8 m=0
